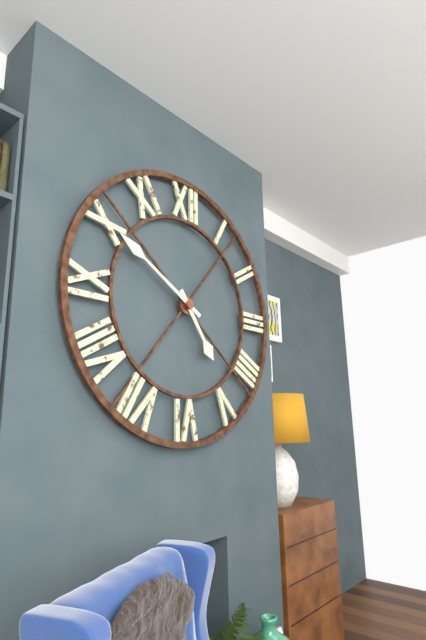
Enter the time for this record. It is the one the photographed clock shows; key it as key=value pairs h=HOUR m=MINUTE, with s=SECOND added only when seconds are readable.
h=4 m=50
